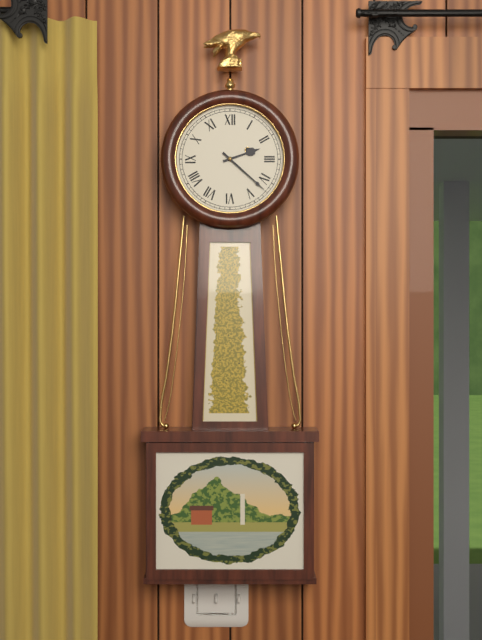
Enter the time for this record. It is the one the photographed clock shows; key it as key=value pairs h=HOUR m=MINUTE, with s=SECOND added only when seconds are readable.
h=2 m=22
